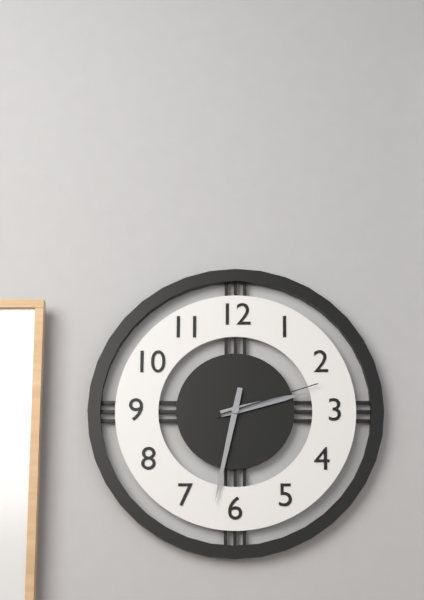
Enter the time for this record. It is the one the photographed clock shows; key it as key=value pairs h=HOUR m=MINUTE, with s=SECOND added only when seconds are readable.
h=2 m=32 s=12
